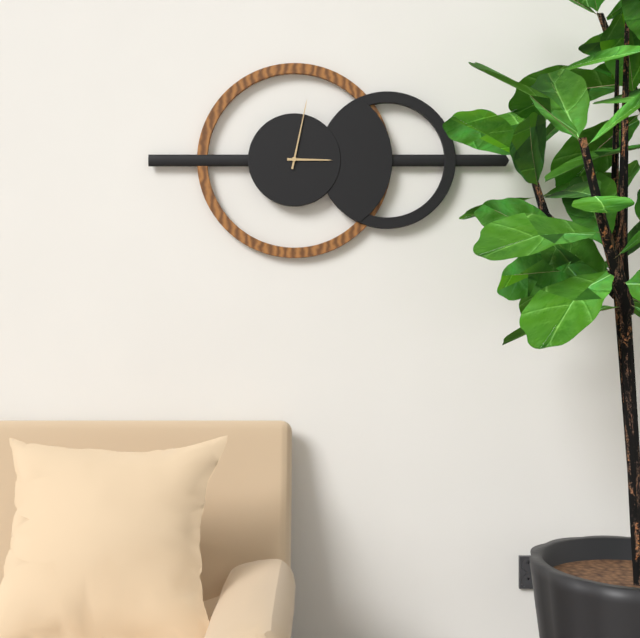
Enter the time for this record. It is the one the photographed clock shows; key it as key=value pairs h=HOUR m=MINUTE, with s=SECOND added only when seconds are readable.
h=3 m=2
